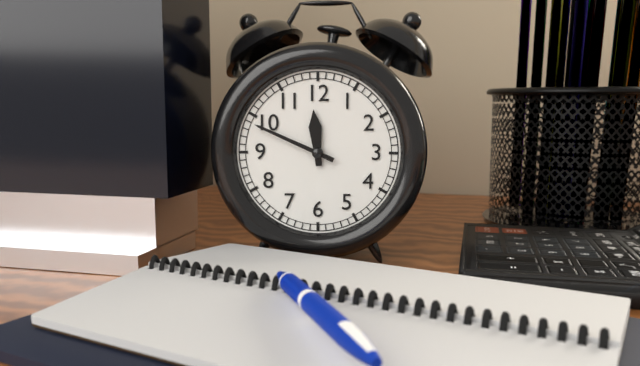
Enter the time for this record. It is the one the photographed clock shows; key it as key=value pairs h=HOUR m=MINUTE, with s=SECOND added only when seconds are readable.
h=11 m=49
